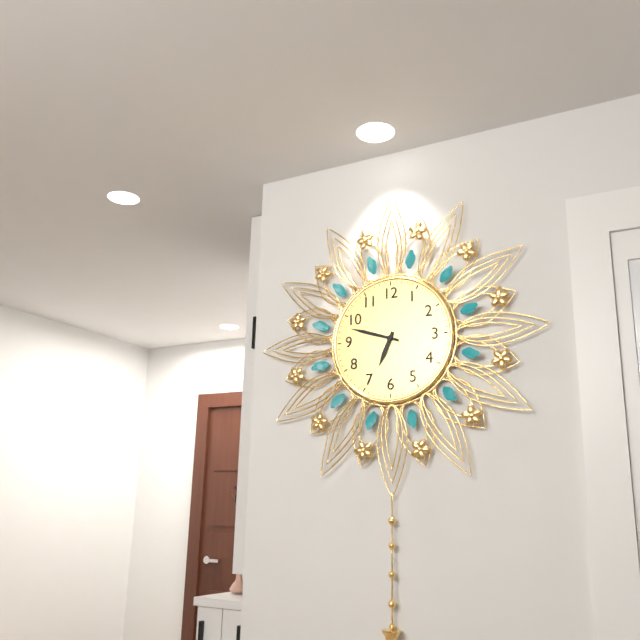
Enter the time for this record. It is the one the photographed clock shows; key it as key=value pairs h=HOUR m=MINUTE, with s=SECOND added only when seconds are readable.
h=6 m=48
